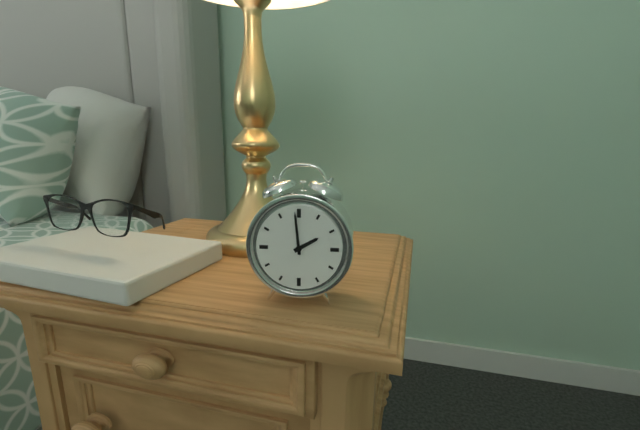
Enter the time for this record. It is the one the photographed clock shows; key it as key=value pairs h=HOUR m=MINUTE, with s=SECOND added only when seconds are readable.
h=1 m=59
